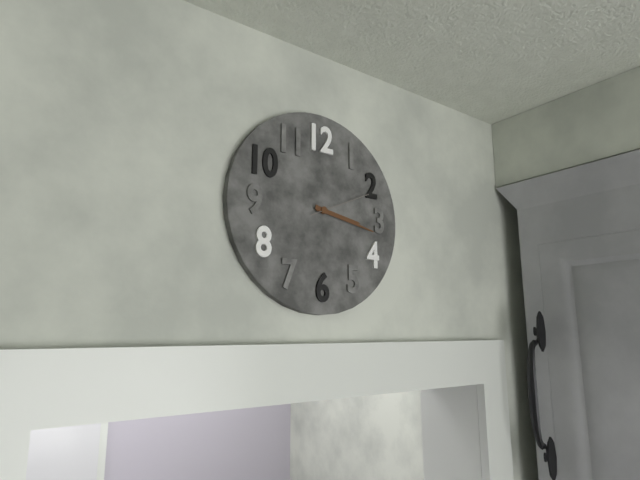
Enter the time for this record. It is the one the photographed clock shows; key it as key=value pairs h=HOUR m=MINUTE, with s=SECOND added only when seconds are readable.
h=3 m=17 s=11
